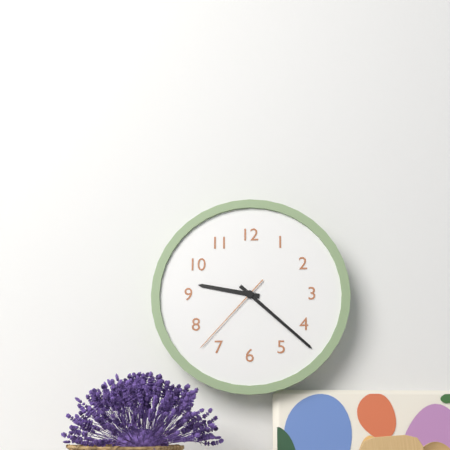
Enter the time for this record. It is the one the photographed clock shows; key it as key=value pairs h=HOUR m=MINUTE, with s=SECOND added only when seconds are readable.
h=9 m=22 s=37
